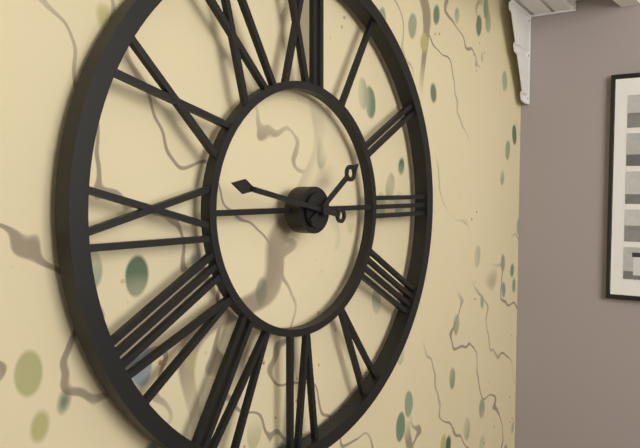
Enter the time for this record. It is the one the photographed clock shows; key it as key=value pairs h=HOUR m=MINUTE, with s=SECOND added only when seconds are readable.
h=1 m=47
